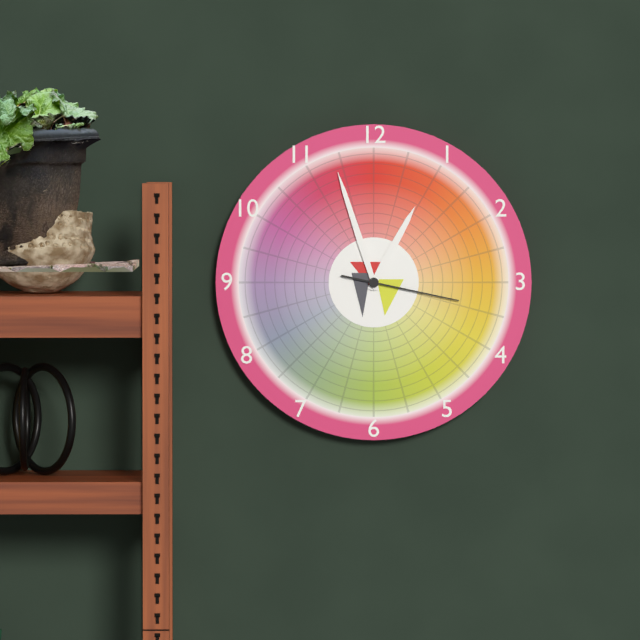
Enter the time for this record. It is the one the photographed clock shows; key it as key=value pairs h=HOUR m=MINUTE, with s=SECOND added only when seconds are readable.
h=12 m=57 s=17
